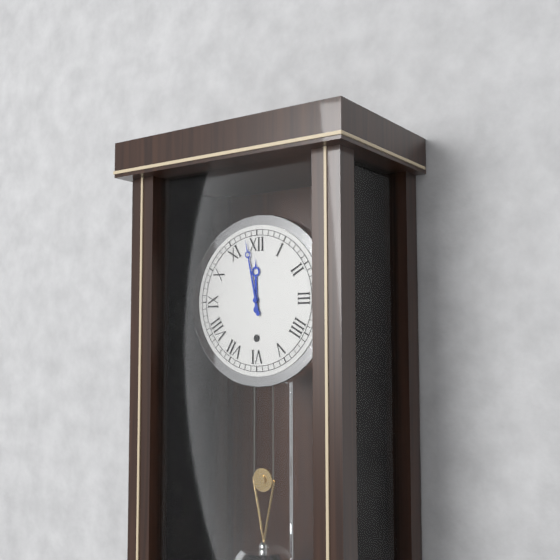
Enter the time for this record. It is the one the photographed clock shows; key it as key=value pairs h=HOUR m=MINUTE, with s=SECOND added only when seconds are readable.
h=11 m=58
